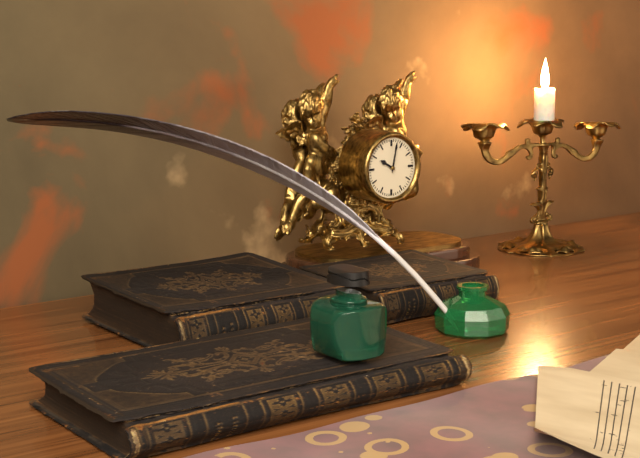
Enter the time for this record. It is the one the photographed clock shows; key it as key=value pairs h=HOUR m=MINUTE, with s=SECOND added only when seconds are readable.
h=10 m=2
